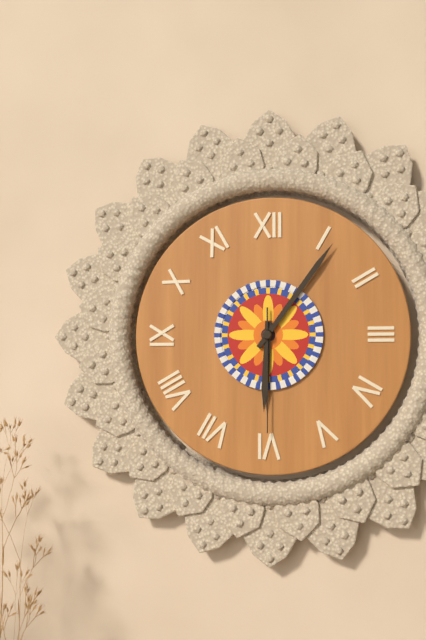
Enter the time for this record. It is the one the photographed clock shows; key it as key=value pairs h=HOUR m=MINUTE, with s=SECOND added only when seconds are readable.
h=6 m=6 s=30
